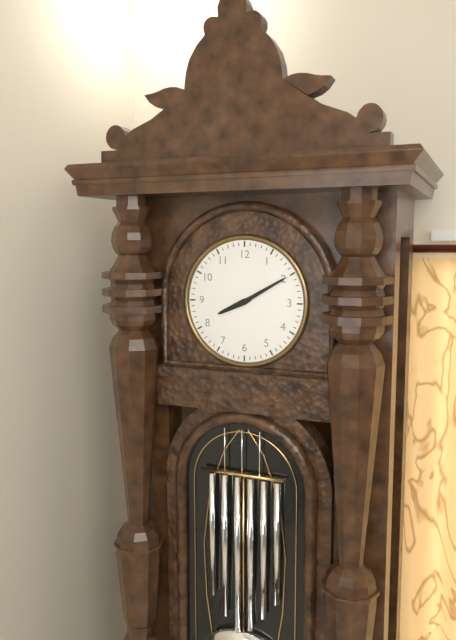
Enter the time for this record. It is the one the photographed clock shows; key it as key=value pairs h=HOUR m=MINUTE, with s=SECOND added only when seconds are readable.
h=8 m=10
